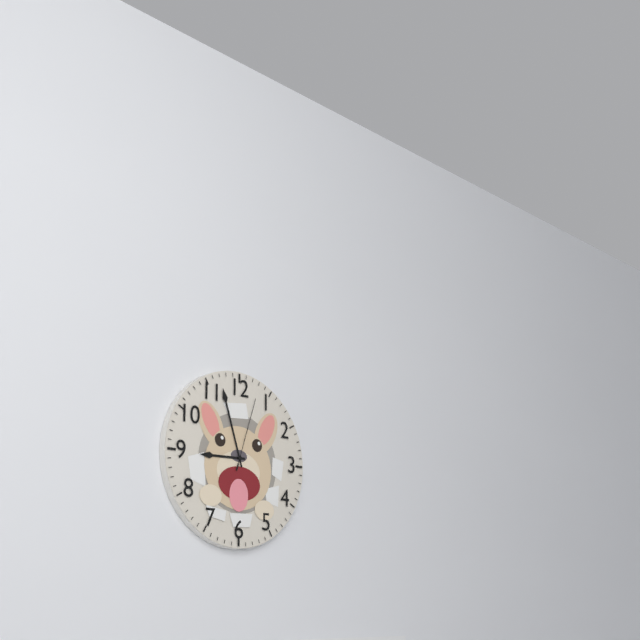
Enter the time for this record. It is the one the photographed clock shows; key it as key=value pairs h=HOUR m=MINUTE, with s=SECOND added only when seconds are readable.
h=8 m=57 s=3
